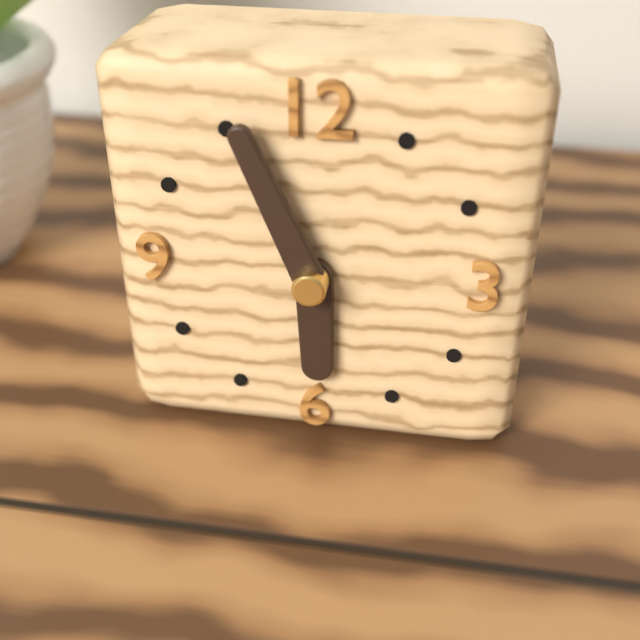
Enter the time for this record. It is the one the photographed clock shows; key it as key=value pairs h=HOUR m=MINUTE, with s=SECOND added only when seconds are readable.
h=5 m=56
